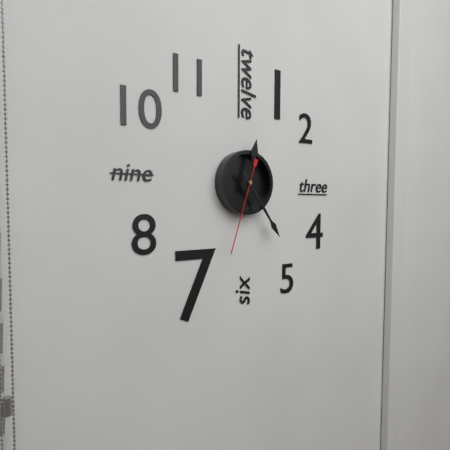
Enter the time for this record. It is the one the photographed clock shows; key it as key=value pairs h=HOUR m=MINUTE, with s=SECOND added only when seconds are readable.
h=12 m=24 s=33
